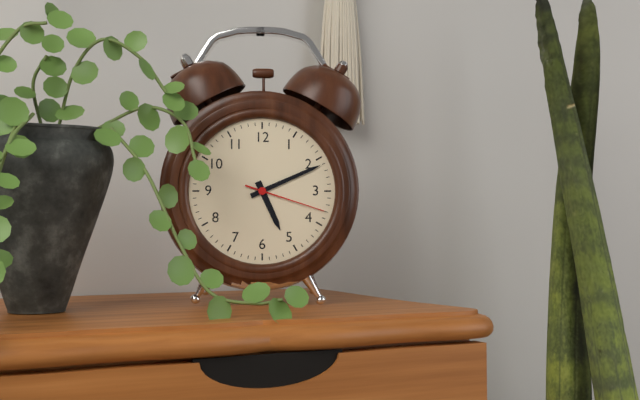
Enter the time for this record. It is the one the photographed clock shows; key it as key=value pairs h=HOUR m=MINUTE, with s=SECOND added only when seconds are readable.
h=5 m=11 s=18
